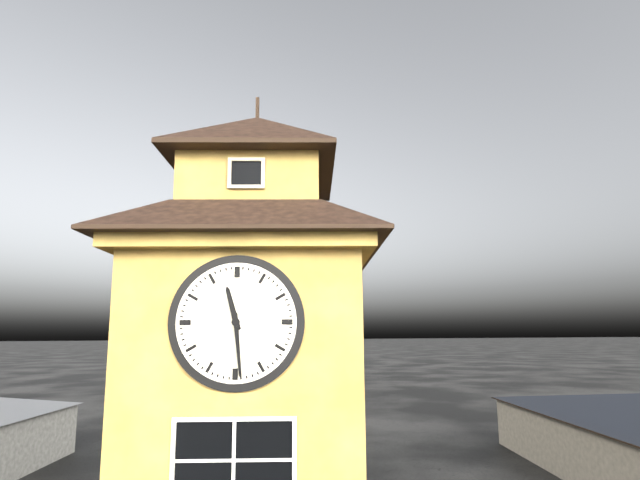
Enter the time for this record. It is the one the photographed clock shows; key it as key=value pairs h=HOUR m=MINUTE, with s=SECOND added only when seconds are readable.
h=11 m=29
